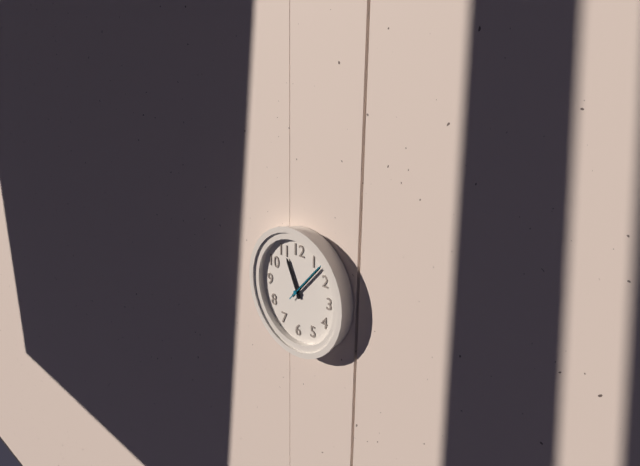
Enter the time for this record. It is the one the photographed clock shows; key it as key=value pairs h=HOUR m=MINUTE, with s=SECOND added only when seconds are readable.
h=11 m=7
